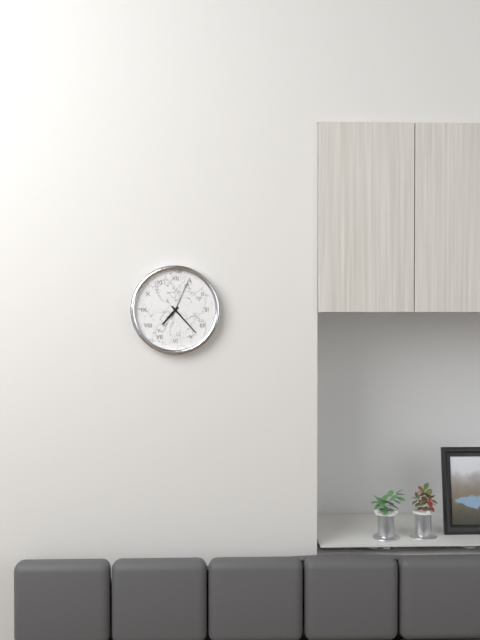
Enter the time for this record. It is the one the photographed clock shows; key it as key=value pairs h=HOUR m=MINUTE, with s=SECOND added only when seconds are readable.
h=7 m=23
